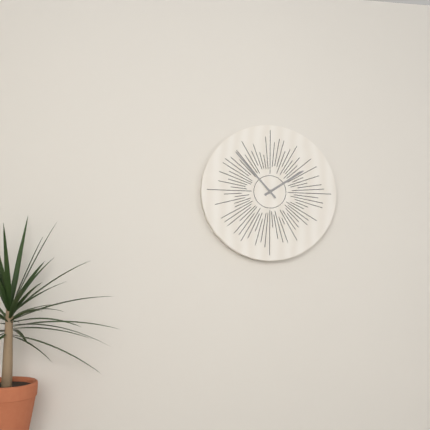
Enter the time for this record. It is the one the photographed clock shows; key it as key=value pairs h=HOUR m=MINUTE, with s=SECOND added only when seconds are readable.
h=1 m=53
